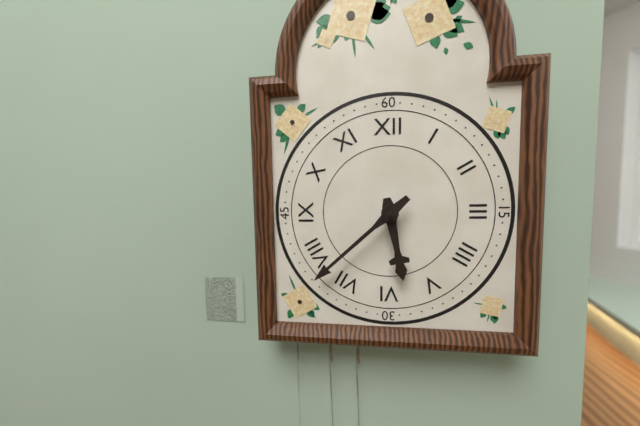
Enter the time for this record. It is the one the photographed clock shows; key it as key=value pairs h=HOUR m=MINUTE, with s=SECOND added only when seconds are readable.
h=5 m=38
